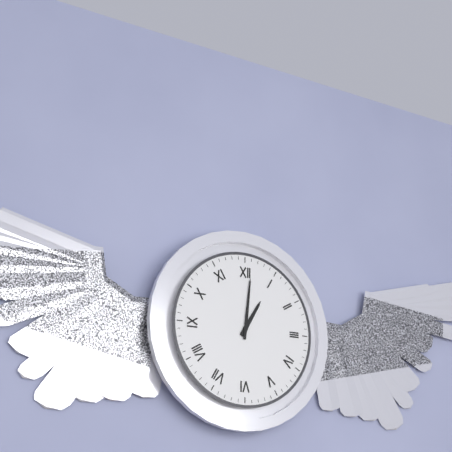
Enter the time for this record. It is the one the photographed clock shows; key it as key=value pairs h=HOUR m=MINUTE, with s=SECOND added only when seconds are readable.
h=1 m=1
